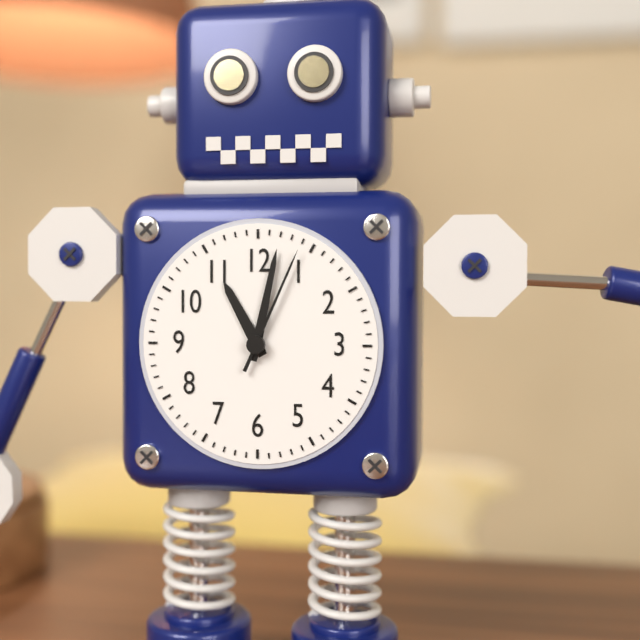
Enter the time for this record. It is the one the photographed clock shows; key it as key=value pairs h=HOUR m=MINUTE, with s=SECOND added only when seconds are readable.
h=11 m=2 s=4
